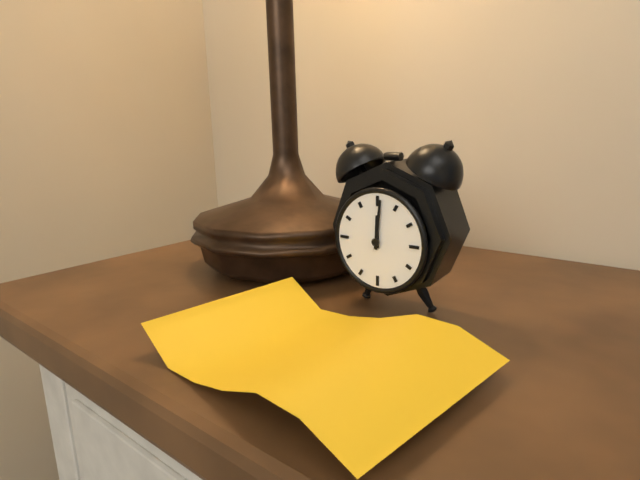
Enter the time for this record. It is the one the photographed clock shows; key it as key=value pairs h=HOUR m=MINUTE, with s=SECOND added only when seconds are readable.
h=12 m=1
